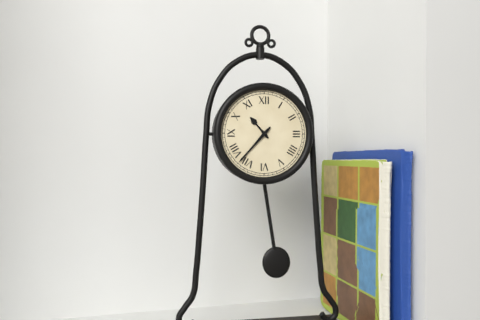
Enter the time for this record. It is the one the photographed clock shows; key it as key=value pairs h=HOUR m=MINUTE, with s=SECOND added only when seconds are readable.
h=10 m=37
